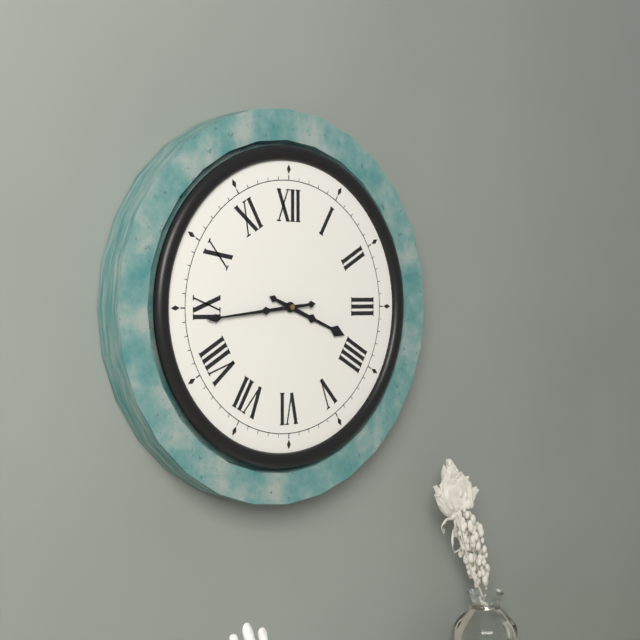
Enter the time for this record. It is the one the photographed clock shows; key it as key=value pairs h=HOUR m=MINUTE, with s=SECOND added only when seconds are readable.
h=3 m=44
